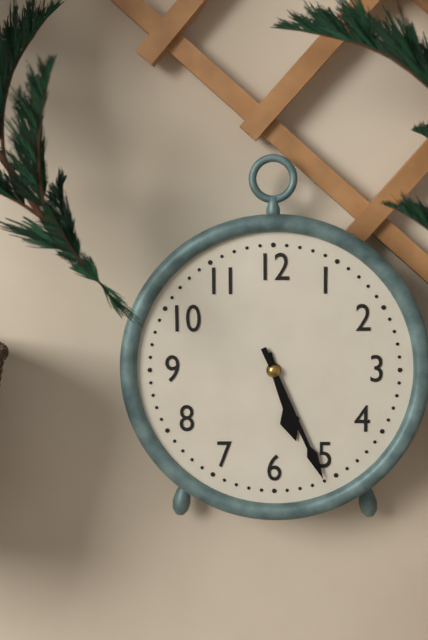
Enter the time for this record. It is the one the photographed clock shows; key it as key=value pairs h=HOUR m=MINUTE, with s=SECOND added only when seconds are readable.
h=5 m=26
